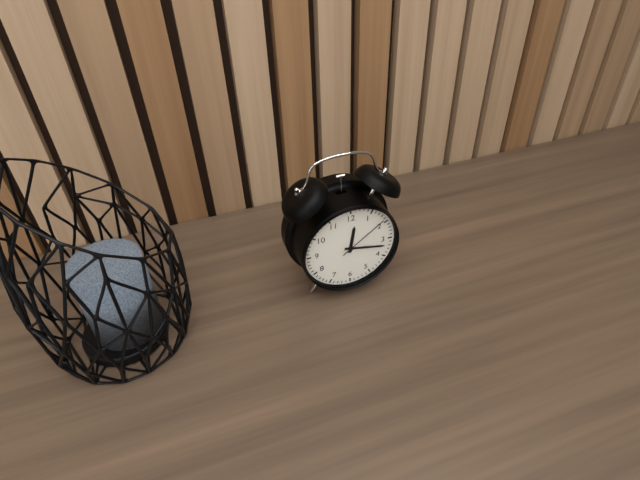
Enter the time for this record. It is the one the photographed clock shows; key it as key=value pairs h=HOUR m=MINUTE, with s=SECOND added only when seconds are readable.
h=12 m=17 s=9
